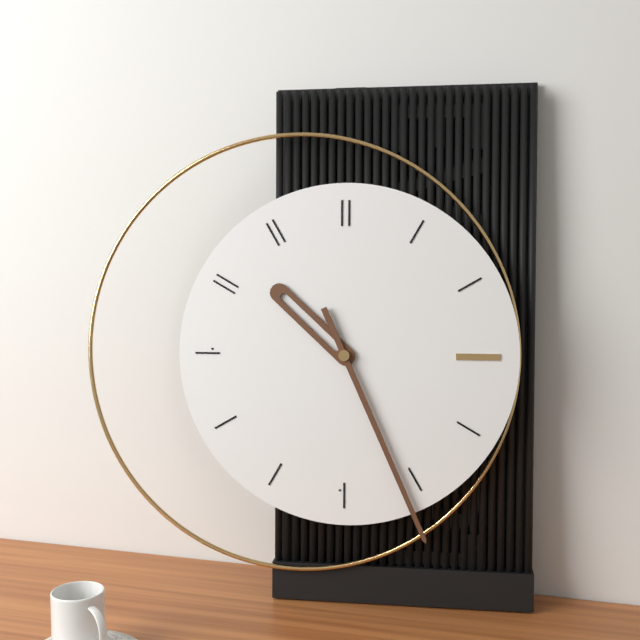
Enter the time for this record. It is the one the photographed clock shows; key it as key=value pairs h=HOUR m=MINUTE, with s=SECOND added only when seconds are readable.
h=10 m=26
